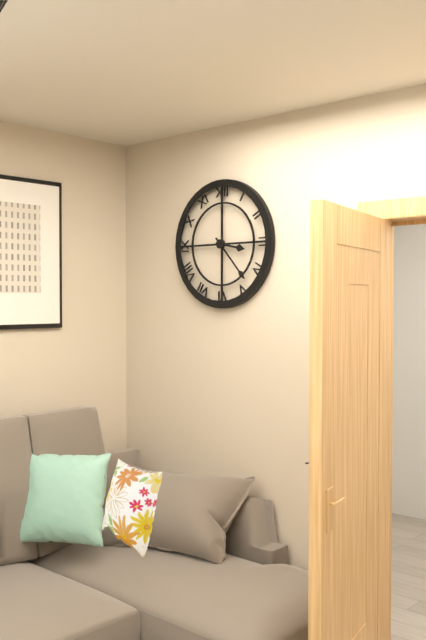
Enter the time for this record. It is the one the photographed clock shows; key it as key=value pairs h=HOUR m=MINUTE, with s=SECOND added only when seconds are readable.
h=3 m=23
